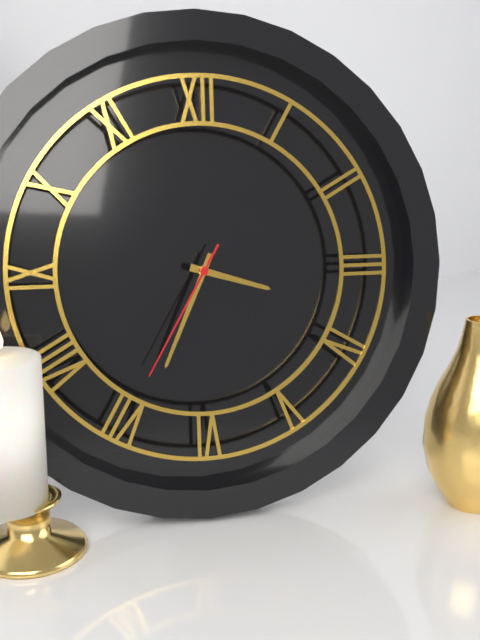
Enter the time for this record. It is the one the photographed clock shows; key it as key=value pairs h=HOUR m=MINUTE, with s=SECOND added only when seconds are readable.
h=3 m=34 s=35
